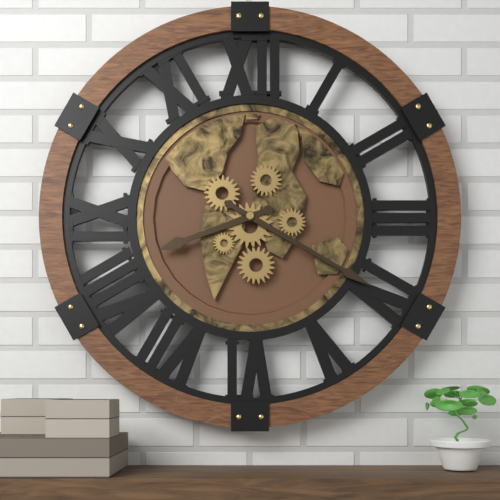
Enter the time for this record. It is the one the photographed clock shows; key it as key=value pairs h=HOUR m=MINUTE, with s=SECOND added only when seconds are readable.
h=8 m=20
